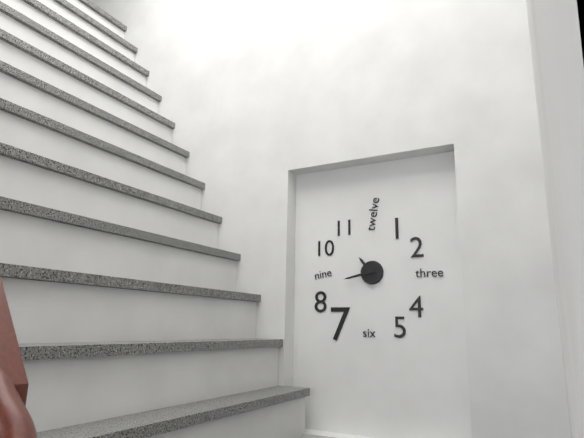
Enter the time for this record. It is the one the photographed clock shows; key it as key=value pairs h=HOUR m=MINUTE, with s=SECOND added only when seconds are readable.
h=10 m=43
